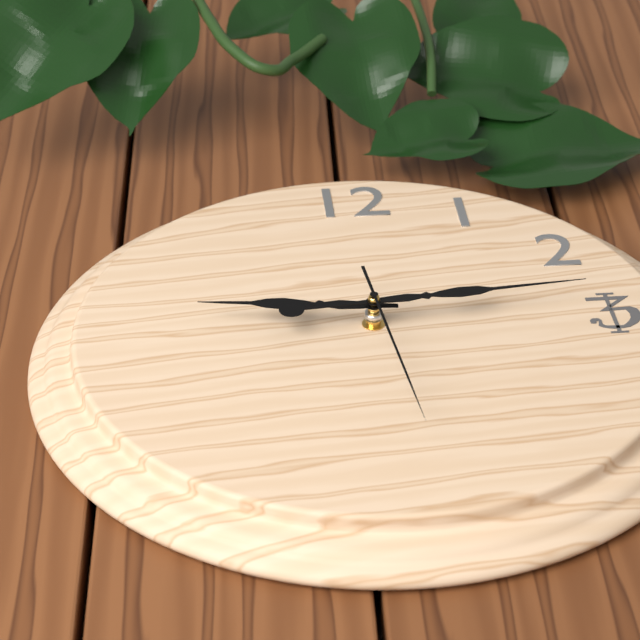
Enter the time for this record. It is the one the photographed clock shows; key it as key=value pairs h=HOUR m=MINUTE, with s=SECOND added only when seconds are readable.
h=9 m=14 s=29
